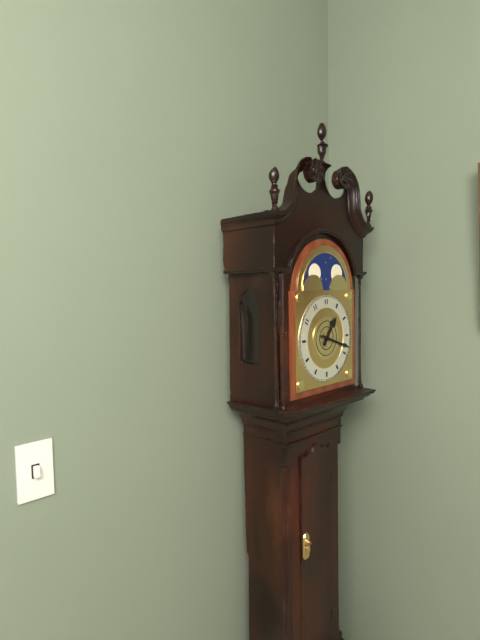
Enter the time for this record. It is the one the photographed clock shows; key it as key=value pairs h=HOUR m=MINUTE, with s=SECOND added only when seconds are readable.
h=1 m=18
